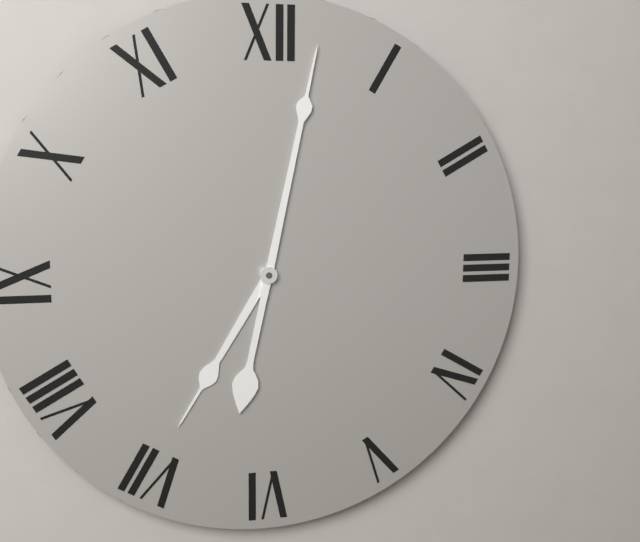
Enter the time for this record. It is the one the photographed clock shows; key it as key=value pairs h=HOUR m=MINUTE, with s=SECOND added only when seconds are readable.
h=7 m=2
